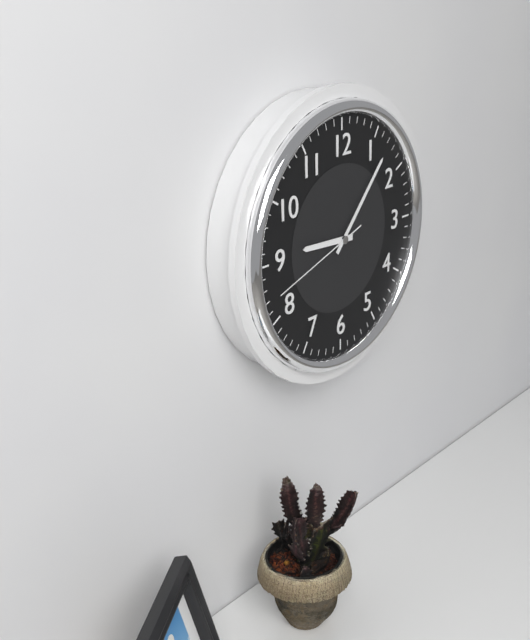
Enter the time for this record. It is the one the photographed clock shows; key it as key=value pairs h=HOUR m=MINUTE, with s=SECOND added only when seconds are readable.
h=9 m=7 s=42
